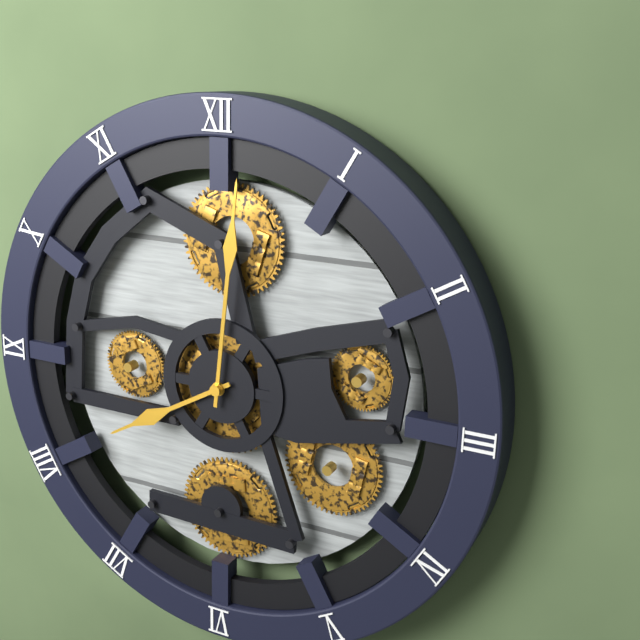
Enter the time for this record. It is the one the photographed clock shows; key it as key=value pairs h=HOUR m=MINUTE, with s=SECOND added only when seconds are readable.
h=8 m=1
